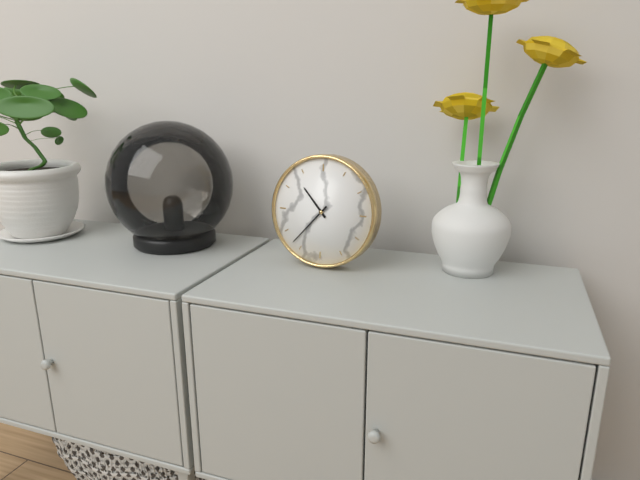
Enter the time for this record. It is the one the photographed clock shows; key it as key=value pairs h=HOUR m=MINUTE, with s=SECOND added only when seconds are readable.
h=10 m=37
